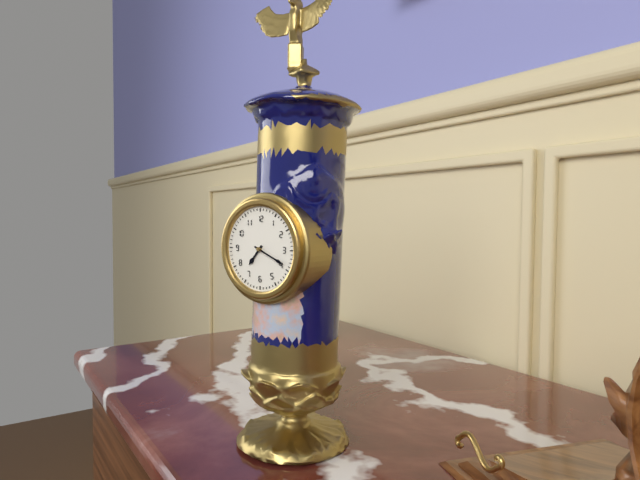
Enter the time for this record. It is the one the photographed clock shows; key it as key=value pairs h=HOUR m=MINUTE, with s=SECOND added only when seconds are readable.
h=7 m=19
